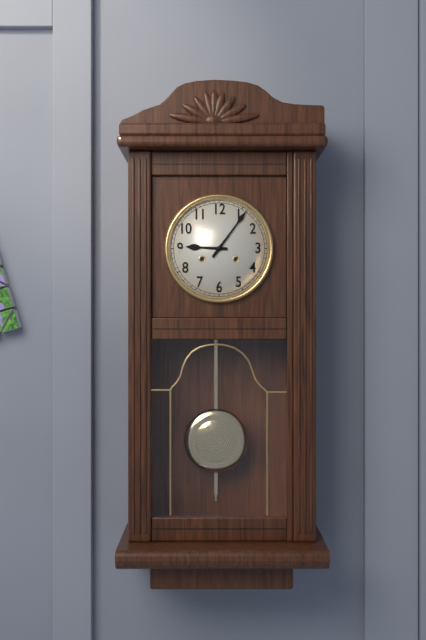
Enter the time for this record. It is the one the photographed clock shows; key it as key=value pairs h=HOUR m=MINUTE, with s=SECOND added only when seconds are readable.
h=9 m=6
